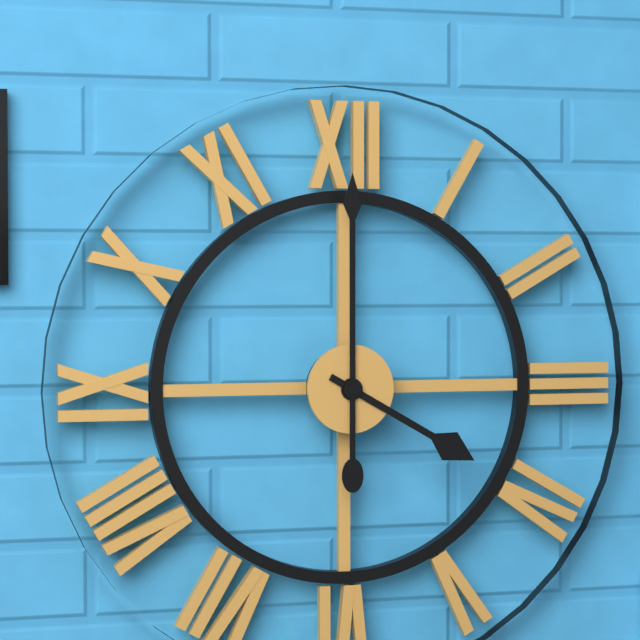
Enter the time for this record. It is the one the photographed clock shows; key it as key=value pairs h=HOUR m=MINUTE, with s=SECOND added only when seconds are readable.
h=4 m=0
